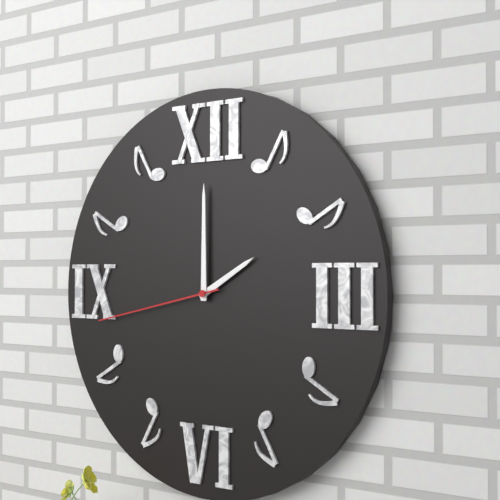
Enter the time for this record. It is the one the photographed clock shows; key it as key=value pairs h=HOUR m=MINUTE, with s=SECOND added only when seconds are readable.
h=2 m=0 s=43
